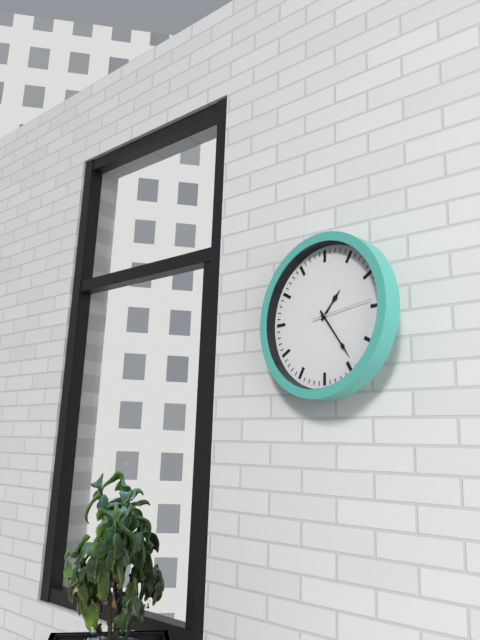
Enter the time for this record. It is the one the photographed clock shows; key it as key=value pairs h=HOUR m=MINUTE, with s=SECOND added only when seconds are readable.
h=1 m=24 s=14
